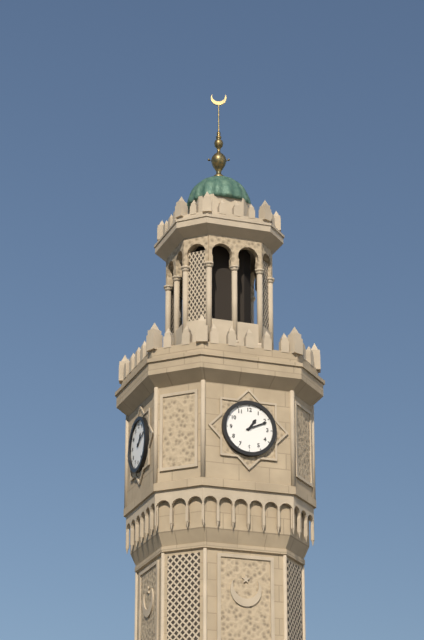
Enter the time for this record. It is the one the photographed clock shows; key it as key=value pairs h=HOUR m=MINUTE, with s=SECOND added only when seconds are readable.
h=1 m=11
